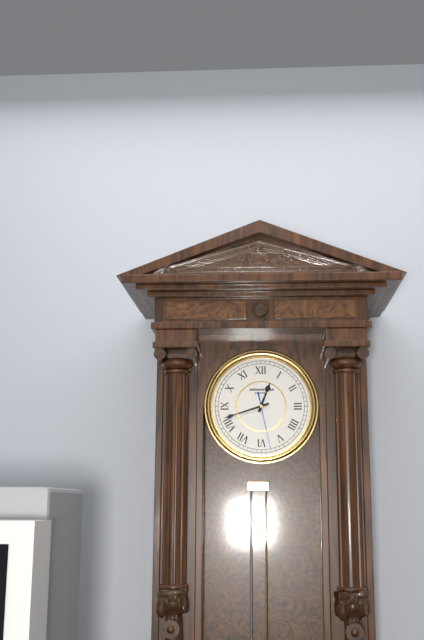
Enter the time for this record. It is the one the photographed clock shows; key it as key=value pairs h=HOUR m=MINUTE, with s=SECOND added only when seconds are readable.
h=12 m=42 s=28
